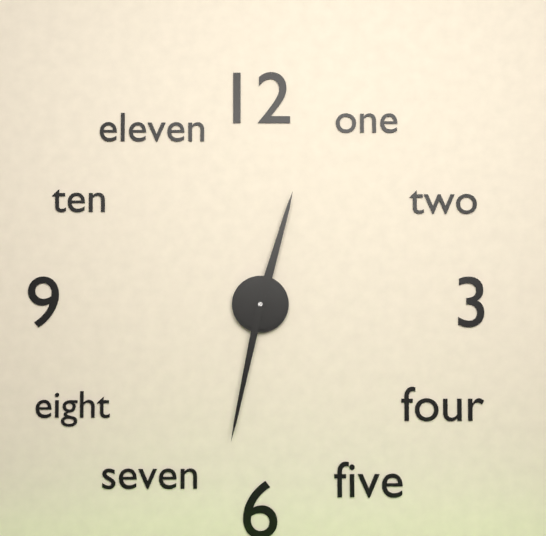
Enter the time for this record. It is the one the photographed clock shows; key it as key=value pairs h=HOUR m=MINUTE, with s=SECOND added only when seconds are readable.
h=12 m=32
